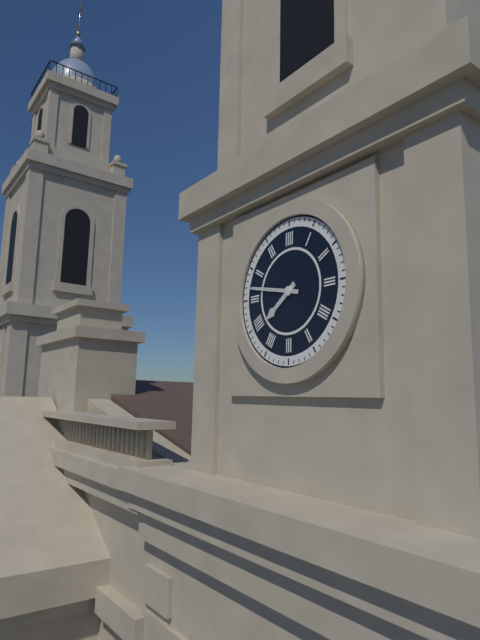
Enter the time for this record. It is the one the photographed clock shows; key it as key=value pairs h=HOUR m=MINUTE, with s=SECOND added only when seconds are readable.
h=7 m=47
